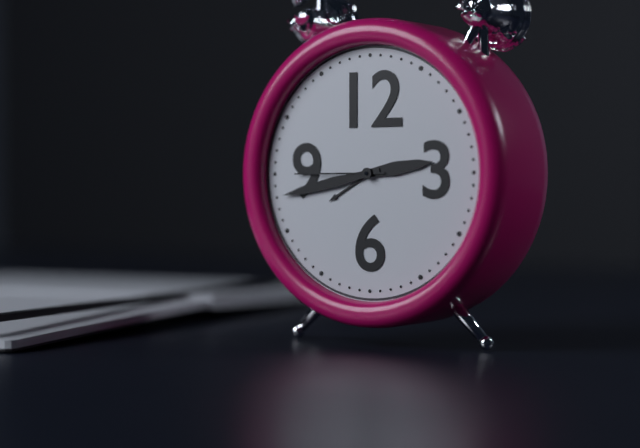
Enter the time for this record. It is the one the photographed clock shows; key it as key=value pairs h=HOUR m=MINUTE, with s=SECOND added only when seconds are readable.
h=2 m=43 s=45
